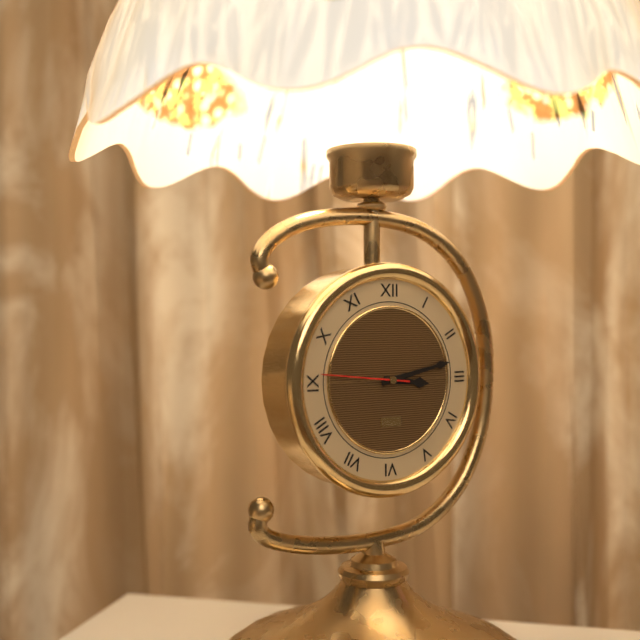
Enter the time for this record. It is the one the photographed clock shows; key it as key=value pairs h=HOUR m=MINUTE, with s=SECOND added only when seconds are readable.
h=3 m=13 s=46
